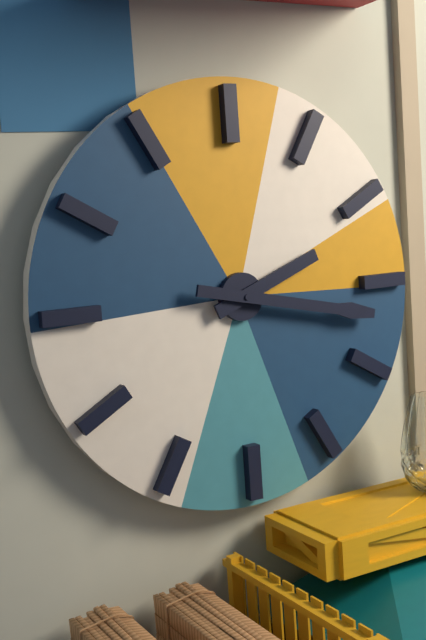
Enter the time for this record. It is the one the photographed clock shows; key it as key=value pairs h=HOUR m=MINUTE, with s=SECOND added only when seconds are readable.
h=2 m=17
